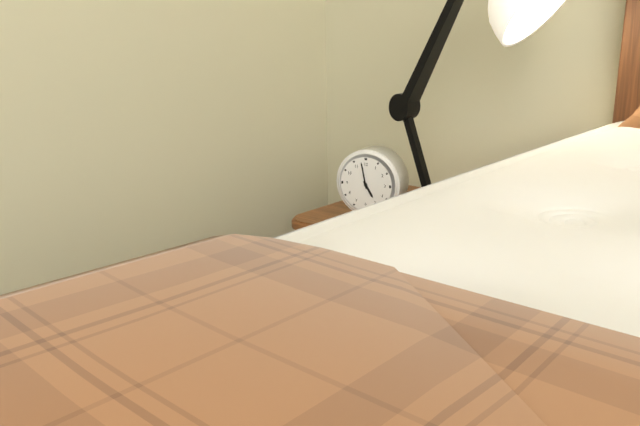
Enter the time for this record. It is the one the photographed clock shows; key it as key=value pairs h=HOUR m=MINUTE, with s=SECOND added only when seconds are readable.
h=4 m=58
